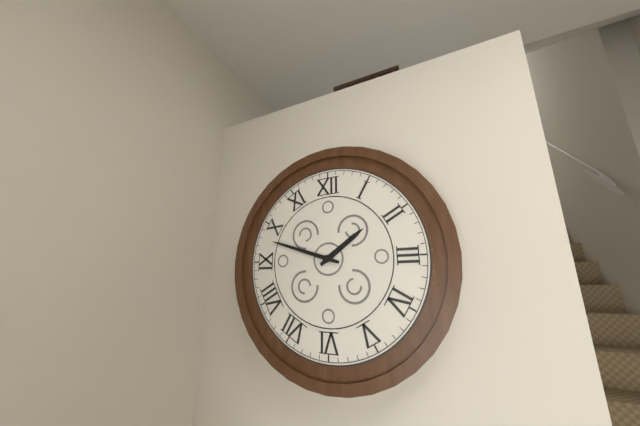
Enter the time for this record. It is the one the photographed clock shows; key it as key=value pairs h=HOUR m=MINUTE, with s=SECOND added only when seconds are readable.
h=1 m=48
